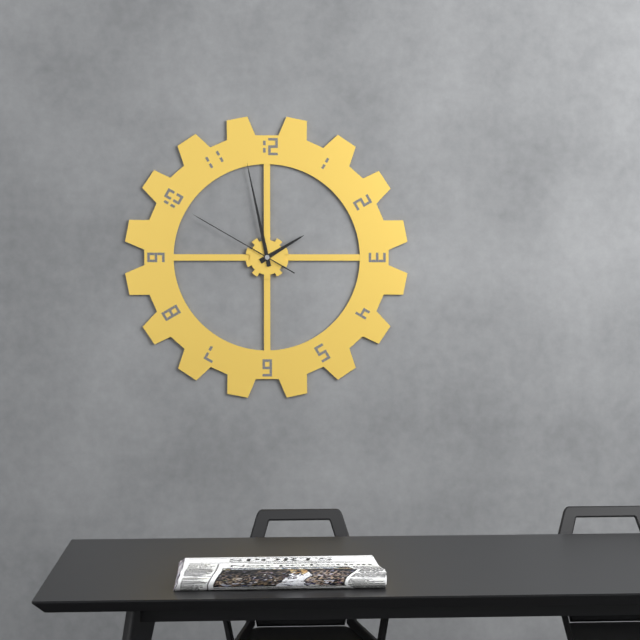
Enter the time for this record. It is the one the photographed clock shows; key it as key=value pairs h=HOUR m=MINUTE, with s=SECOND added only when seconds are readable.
h=1 m=58 s=50
